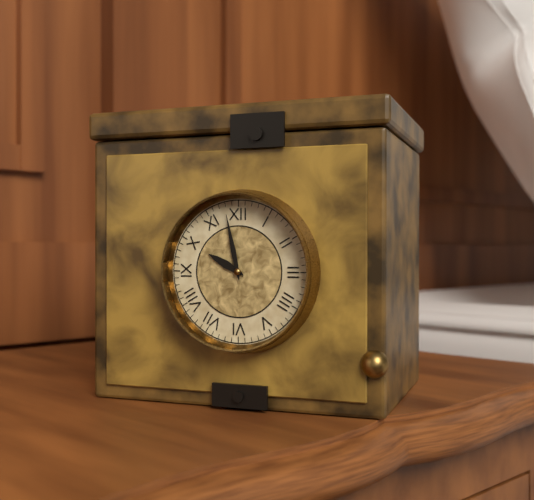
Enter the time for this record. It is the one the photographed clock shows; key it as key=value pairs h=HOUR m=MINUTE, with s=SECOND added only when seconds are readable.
h=9 m=58
